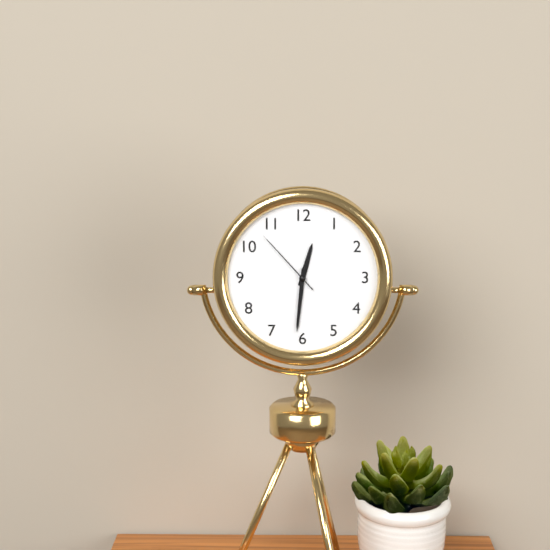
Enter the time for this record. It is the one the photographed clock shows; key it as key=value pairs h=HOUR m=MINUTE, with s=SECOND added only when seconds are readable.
h=12 m=31 s=53
